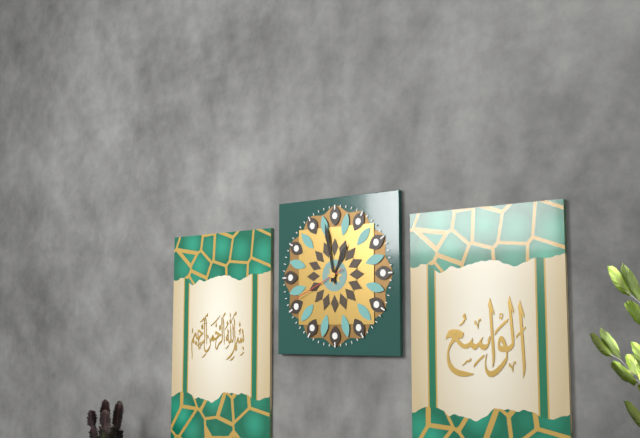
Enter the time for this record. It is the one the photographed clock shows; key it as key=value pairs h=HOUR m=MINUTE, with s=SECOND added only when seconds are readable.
h=12 m=58 s=41
